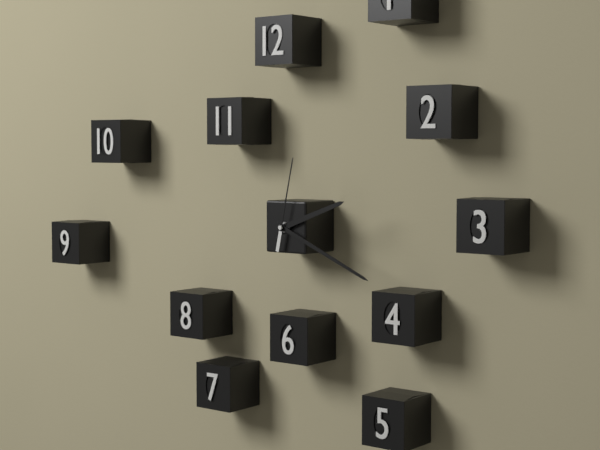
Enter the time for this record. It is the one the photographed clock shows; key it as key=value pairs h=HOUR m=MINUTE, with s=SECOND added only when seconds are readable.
h=2 m=19 s=2
